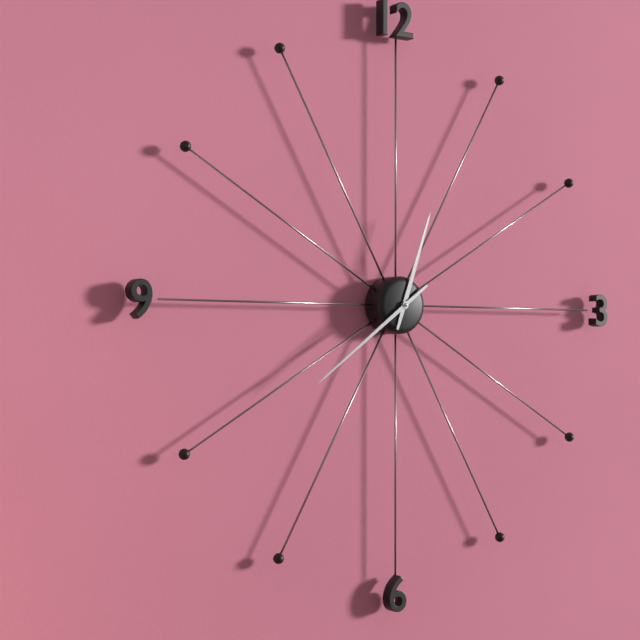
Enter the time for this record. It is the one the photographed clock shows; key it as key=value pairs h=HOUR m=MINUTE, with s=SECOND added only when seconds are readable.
h=12 m=39
